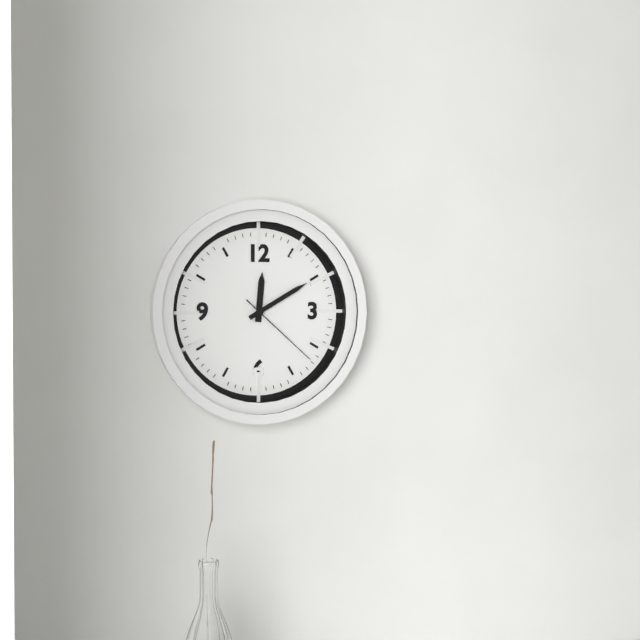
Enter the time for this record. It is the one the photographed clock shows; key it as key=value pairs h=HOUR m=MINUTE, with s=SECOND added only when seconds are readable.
h=12 m=10 s=22
